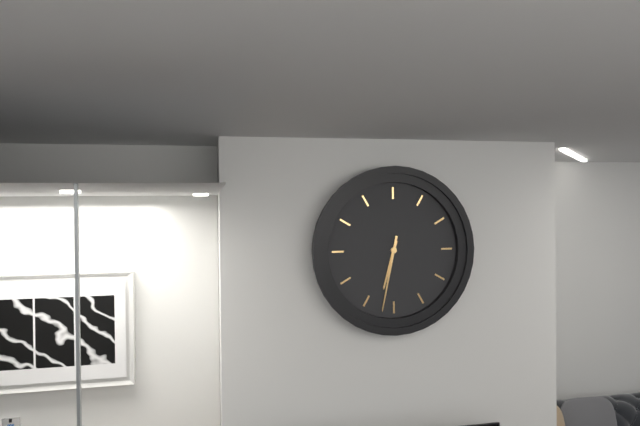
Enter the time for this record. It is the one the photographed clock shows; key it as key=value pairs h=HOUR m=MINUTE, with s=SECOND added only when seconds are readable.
h=6 m=32
